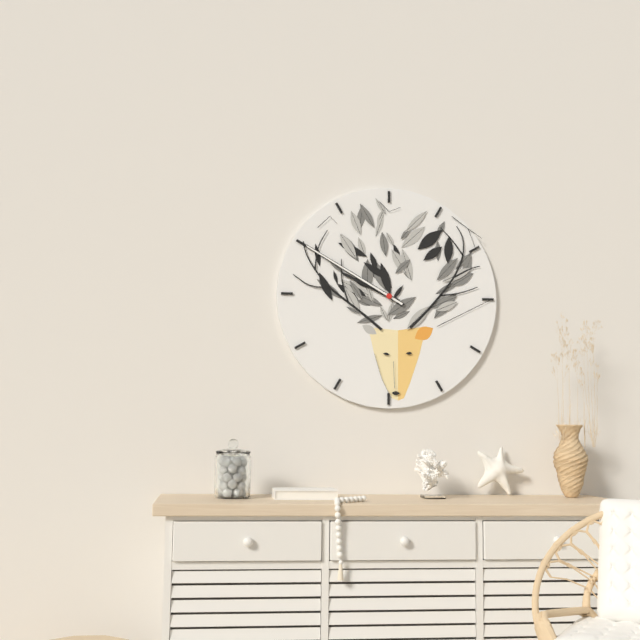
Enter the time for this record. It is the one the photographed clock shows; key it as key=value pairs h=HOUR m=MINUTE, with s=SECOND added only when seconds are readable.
h=9 m=50
